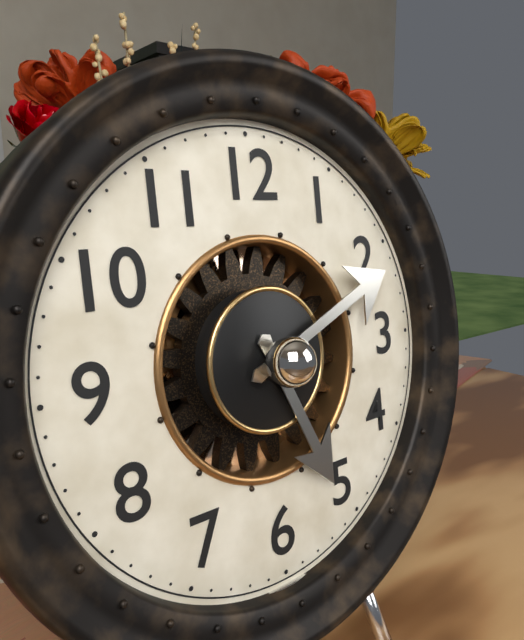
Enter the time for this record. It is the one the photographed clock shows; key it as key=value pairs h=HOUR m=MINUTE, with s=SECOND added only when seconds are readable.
h=5 m=11
